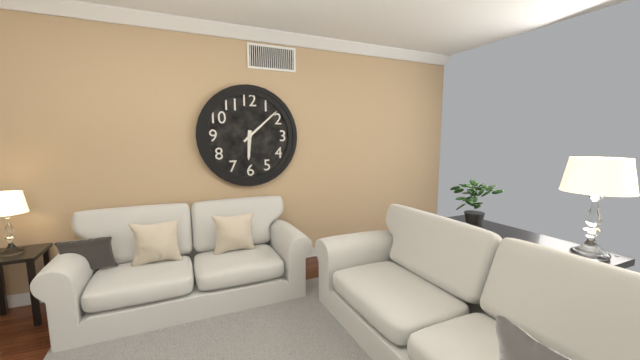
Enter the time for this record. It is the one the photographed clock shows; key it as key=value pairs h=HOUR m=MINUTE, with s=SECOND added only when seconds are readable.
h=6 m=8
